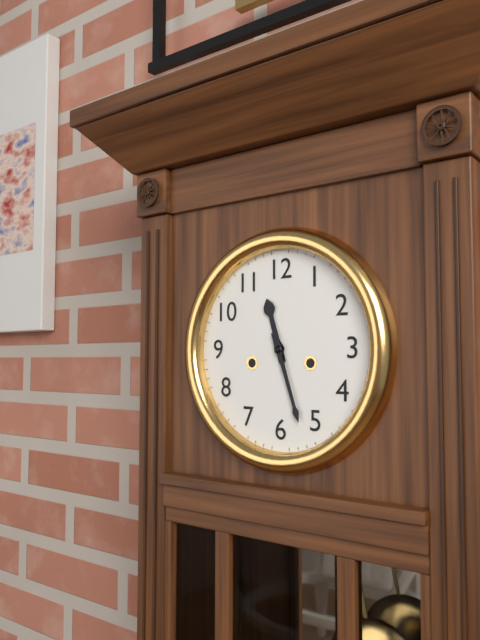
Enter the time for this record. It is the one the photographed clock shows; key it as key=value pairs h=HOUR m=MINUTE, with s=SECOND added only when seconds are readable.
h=11 m=27
